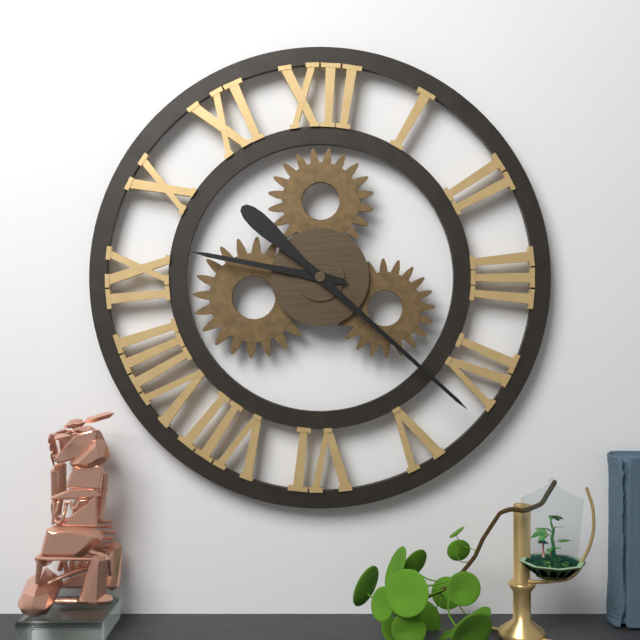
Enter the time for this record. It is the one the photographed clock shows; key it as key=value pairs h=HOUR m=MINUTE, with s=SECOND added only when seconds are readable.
h=9 m=22
